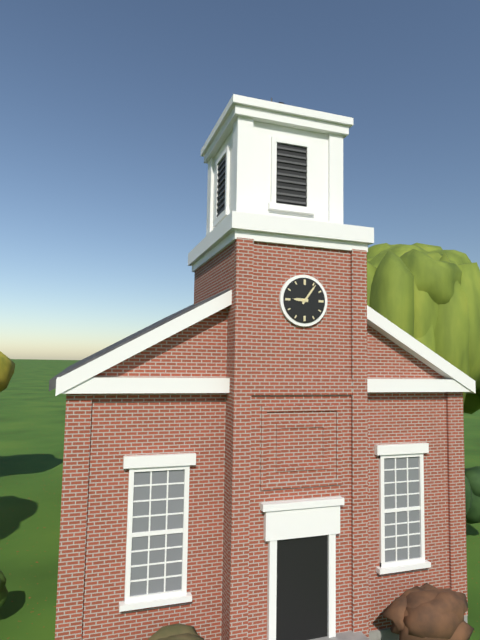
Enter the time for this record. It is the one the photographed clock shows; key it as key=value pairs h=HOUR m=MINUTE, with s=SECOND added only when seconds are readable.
h=9 m=6
